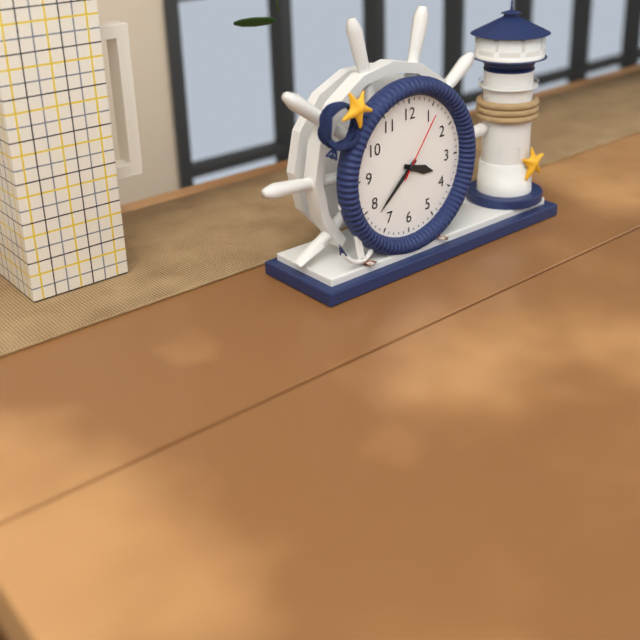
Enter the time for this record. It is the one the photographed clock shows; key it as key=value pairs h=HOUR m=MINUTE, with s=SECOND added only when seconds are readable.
h=3 m=38 s=6
